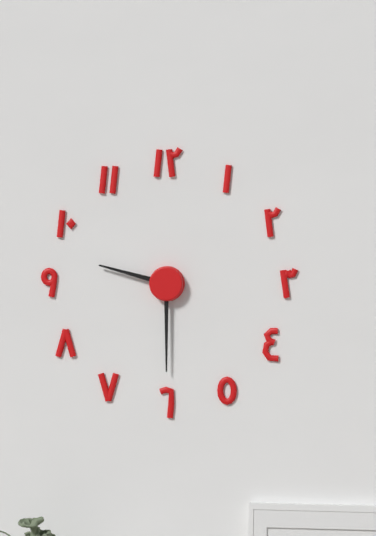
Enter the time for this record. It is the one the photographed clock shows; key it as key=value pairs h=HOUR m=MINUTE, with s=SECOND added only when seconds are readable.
h=9 m=30
